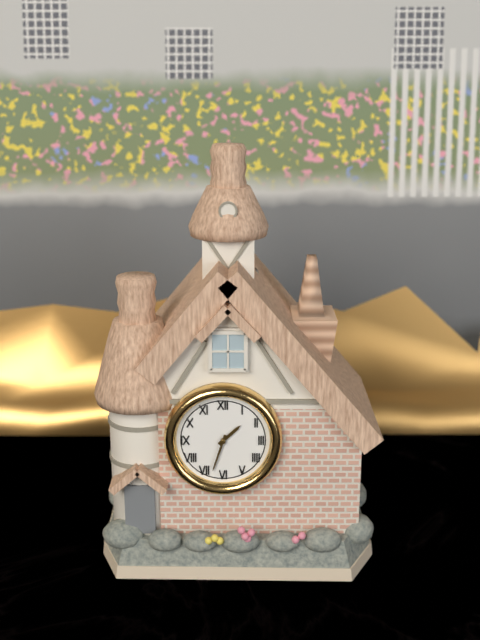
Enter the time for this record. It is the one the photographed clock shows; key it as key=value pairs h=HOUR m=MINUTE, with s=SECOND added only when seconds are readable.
h=1 m=33
